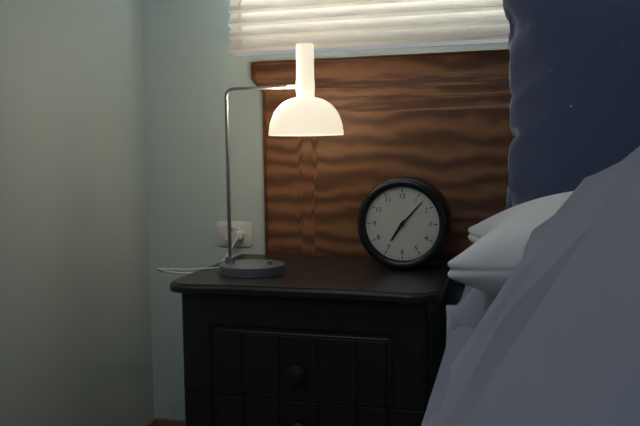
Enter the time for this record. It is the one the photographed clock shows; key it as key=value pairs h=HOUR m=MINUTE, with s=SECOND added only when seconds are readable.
h=7 m=7
